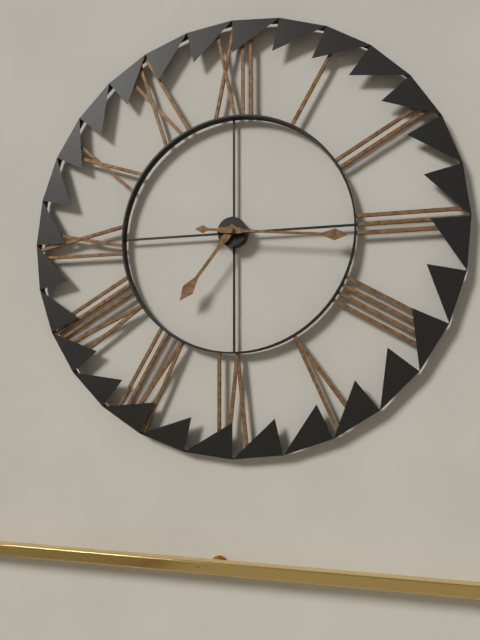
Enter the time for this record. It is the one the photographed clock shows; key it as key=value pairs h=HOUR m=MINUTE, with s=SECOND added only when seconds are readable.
h=7 m=16
